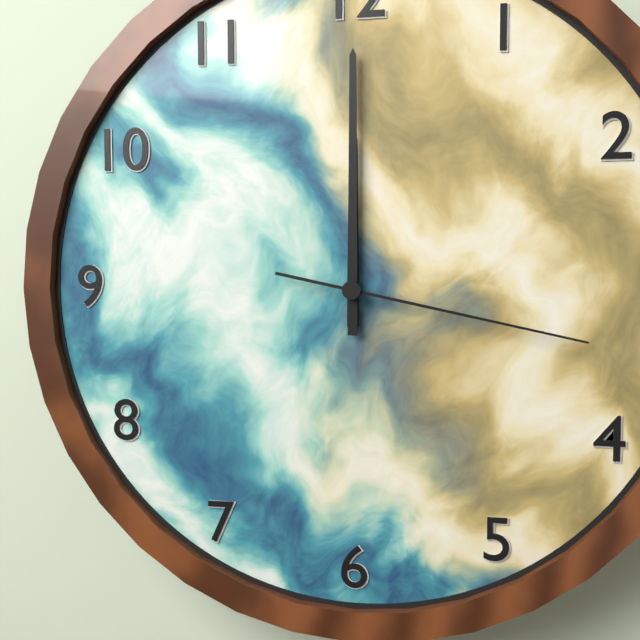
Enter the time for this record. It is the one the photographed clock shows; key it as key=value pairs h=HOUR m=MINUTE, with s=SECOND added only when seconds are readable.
h=12 m=0 s=17
